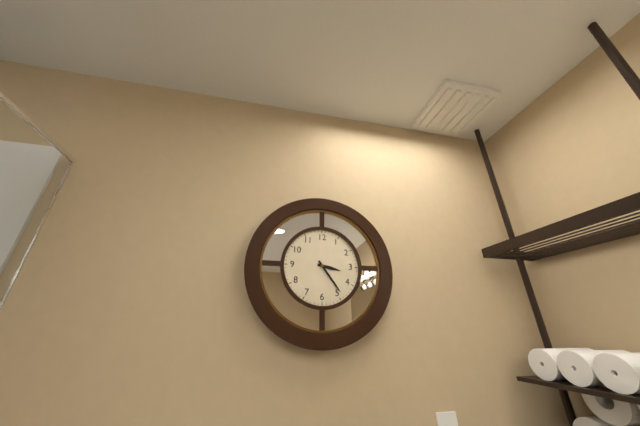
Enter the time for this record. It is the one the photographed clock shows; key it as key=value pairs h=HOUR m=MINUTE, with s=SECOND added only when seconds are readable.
h=3 m=24
